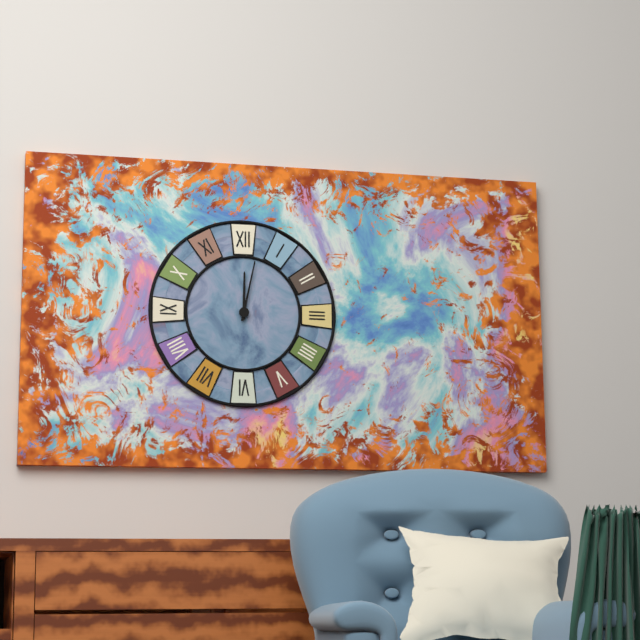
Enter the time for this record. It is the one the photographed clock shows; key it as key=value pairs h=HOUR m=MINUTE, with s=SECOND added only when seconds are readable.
h=12 m=2
